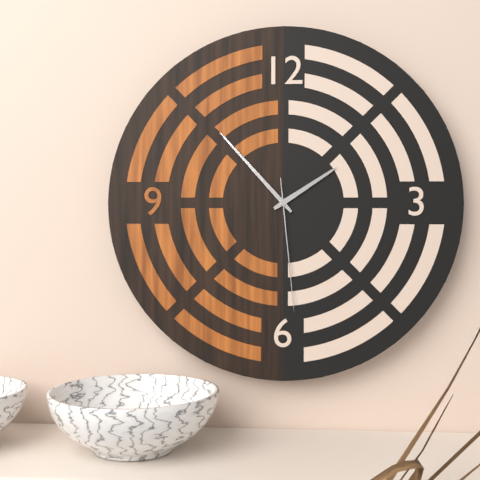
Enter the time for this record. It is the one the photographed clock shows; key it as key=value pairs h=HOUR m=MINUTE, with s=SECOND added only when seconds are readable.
h=1 m=53 s=29
